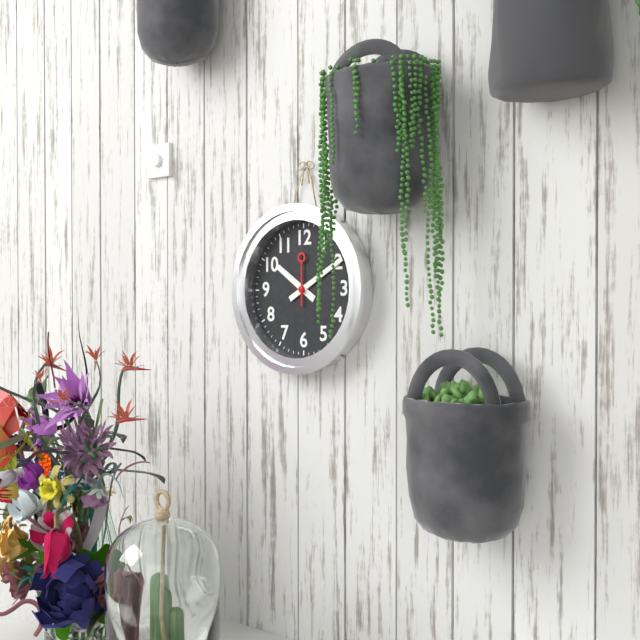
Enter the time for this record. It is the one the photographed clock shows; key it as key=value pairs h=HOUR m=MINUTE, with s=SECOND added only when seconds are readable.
h=10 m=10
